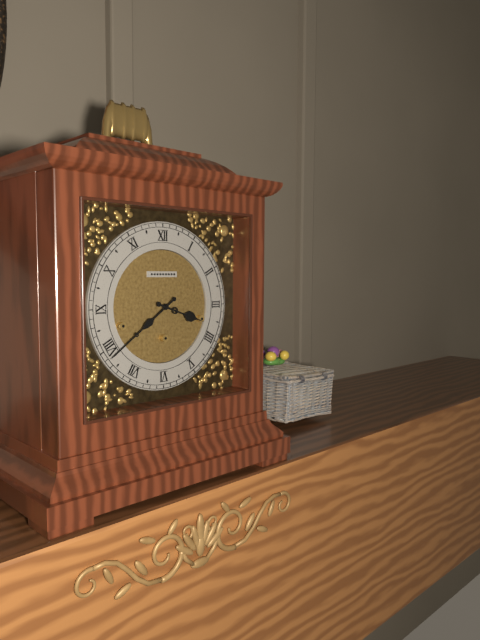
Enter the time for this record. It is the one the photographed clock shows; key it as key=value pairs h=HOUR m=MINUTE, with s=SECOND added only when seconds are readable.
h=3 m=39
